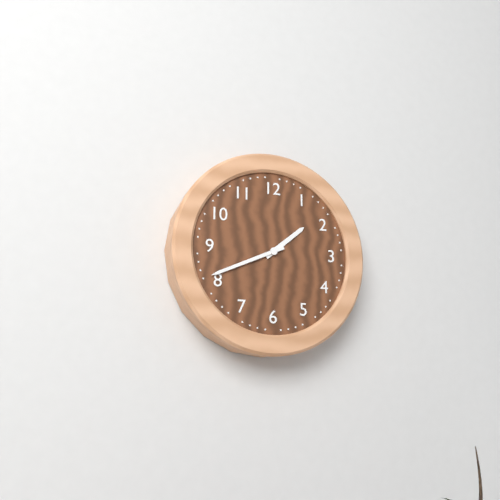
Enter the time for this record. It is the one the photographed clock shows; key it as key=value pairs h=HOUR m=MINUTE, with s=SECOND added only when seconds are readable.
h=1 m=41
